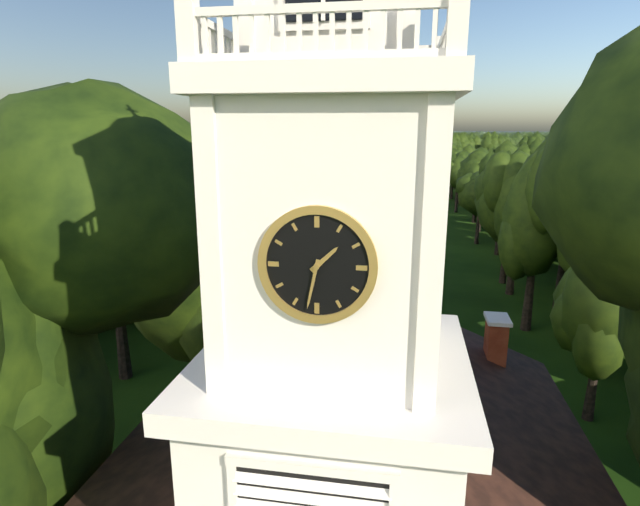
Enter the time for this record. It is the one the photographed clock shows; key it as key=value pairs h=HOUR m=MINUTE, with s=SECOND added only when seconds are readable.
h=1 m=32
